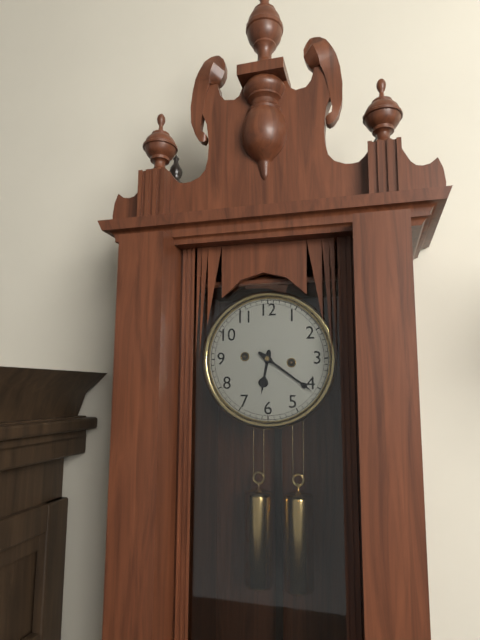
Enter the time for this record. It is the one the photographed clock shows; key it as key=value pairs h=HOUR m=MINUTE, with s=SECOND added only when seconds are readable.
h=6 m=21
